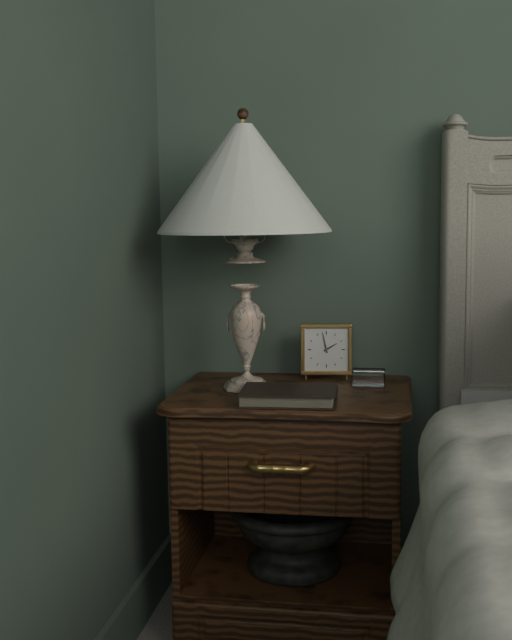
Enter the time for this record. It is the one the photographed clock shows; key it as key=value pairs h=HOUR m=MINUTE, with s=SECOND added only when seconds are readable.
h=1 m=58
